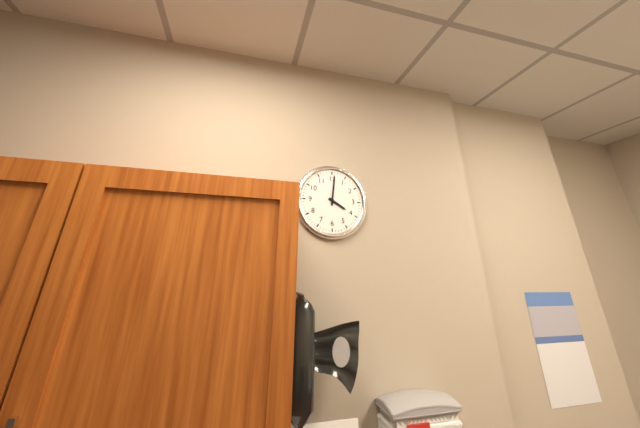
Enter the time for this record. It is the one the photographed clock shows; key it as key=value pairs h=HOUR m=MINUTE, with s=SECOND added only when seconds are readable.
h=4 m=1
